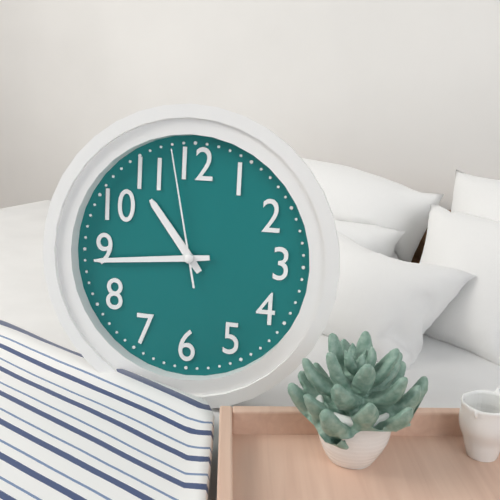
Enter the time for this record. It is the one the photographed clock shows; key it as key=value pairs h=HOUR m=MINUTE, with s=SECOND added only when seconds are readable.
h=10 m=44 s=58
